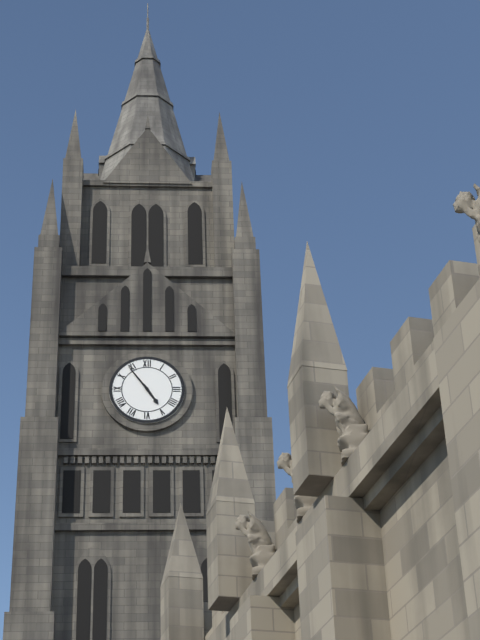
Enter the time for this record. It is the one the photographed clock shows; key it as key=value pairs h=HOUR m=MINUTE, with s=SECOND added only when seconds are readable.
h=4 m=54
